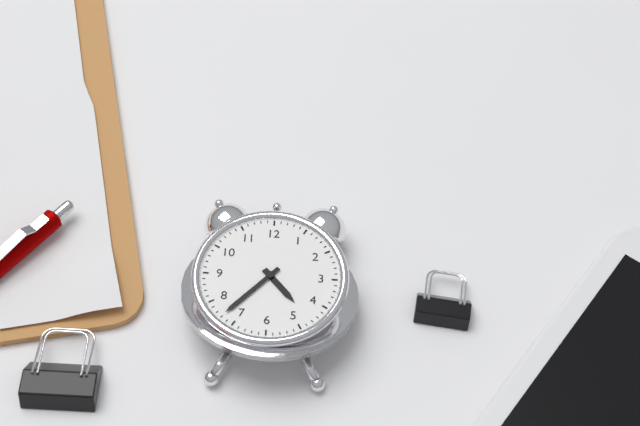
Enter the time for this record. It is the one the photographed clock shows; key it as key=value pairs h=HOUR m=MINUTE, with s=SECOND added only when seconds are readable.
h=4 m=37
